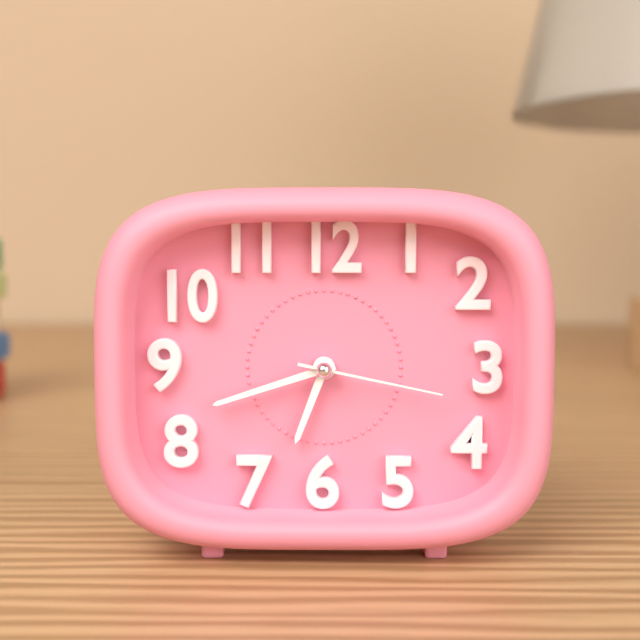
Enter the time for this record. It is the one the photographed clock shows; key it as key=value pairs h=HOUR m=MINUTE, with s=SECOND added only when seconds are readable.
h=6 m=42 s=17
